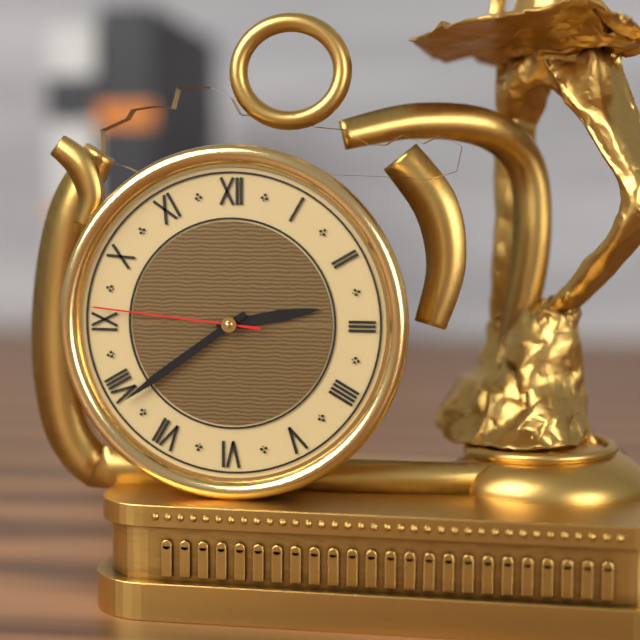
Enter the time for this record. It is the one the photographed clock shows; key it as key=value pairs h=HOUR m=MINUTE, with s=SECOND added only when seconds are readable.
h=2 m=39 s=46
